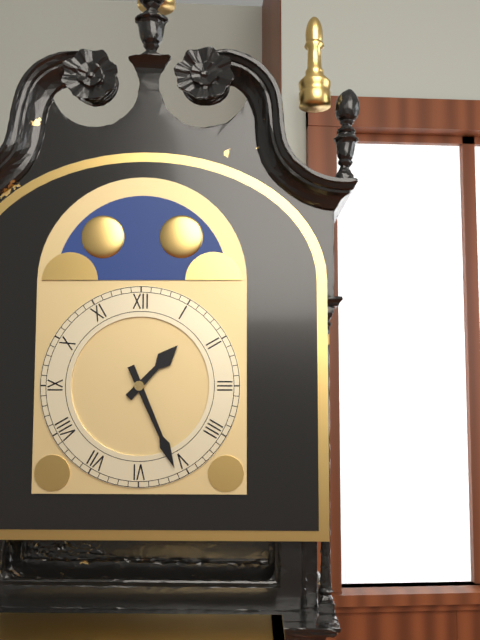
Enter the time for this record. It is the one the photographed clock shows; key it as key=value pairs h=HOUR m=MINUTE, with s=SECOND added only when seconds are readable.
h=1 m=26
